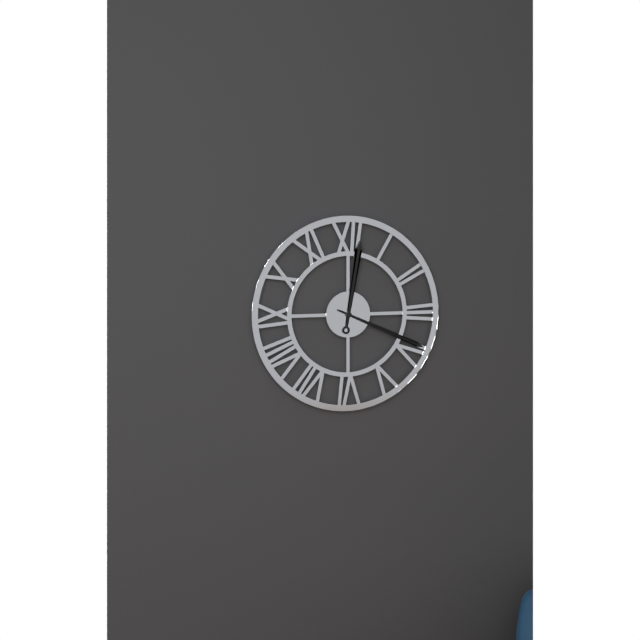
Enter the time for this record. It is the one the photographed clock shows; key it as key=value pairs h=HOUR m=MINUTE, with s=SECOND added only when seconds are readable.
h=12 m=19
